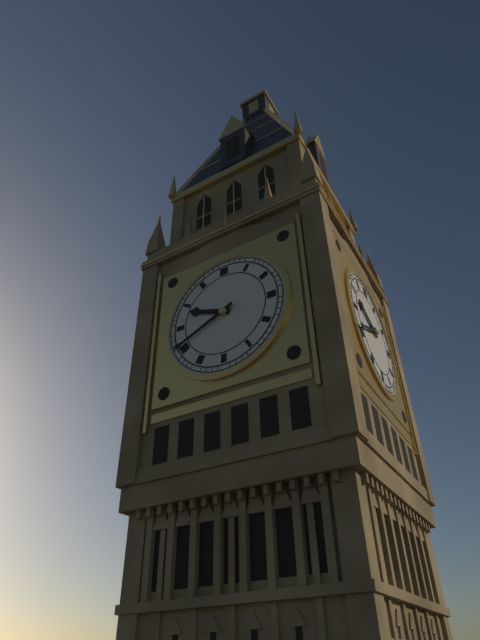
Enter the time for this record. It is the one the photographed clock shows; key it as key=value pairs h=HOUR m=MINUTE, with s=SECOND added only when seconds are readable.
h=9 m=41
